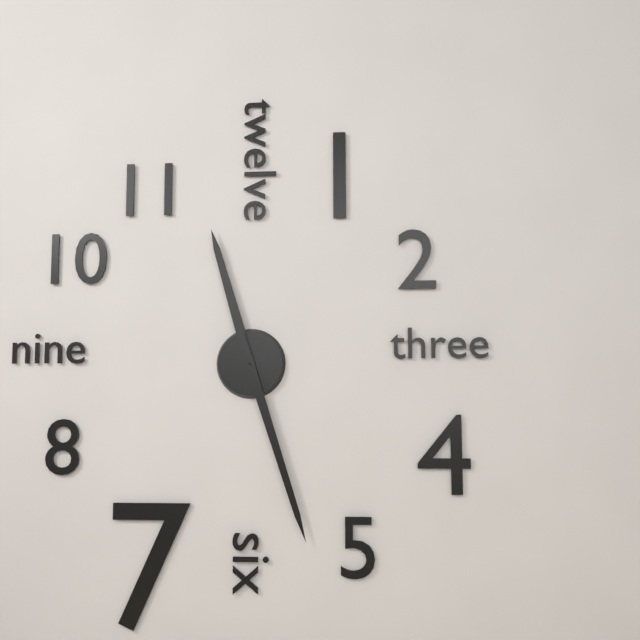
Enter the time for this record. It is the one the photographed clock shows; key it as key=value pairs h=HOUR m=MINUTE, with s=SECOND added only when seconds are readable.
h=11 m=27
